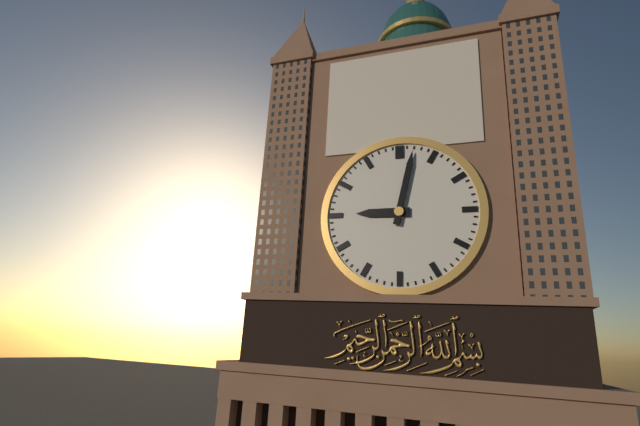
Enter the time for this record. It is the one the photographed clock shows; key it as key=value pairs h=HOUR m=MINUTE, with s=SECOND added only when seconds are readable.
h=9 m=2
